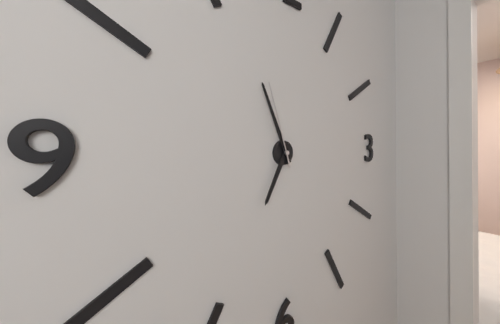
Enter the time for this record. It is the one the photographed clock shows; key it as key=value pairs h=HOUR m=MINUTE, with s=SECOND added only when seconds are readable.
h=6 m=56 s=57
